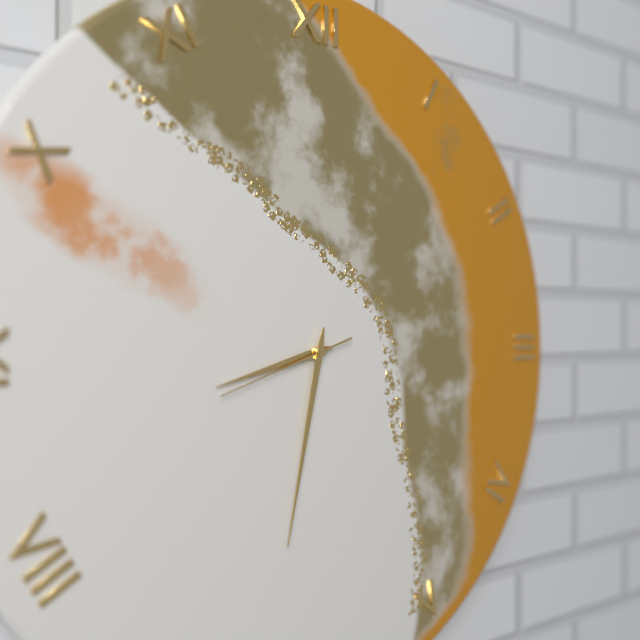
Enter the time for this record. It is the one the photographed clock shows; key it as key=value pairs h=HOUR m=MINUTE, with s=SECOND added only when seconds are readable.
h=8 m=32 s=42
